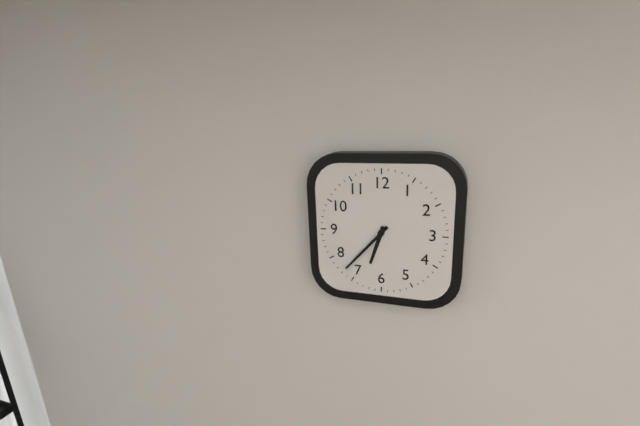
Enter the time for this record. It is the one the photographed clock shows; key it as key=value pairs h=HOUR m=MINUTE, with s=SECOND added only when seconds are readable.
h=6 m=37
